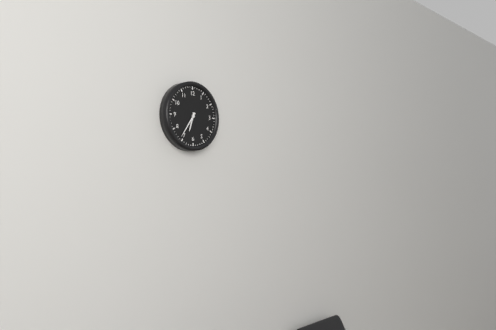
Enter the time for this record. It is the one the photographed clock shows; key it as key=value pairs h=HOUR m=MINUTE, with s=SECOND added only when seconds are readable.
h=6 m=36
